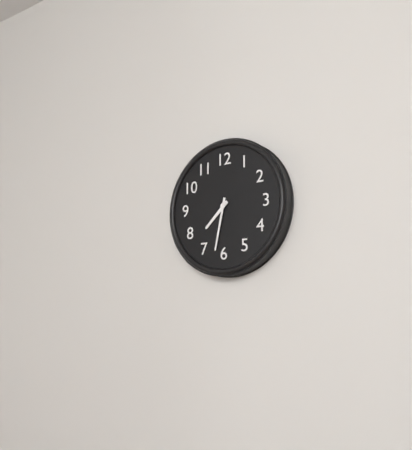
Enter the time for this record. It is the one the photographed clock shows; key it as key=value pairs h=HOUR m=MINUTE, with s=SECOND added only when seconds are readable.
h=7 m=32
